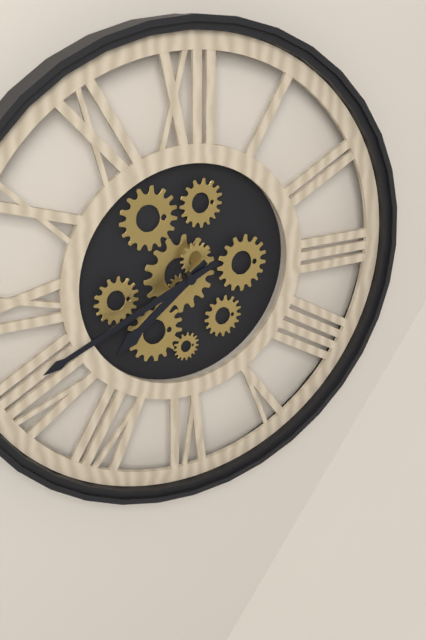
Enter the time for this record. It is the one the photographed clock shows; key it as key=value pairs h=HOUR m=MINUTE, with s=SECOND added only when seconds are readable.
h=7 m=41
